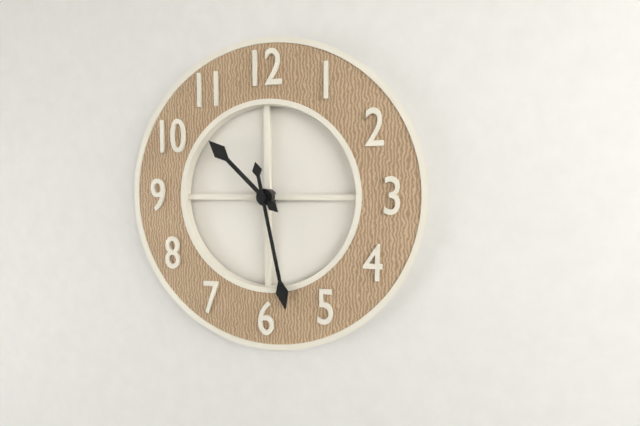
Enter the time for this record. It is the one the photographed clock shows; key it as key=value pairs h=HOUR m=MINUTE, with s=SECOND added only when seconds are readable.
h=10 m=28
